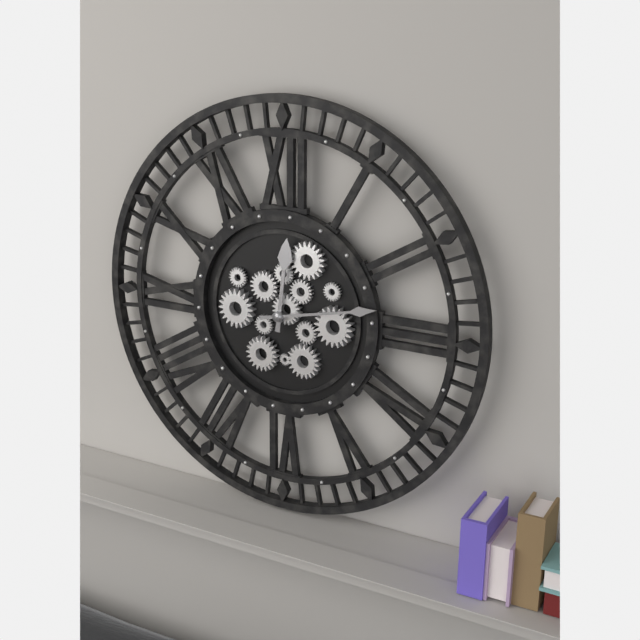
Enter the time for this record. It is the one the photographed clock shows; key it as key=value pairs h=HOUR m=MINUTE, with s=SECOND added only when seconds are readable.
h=12 m=13
